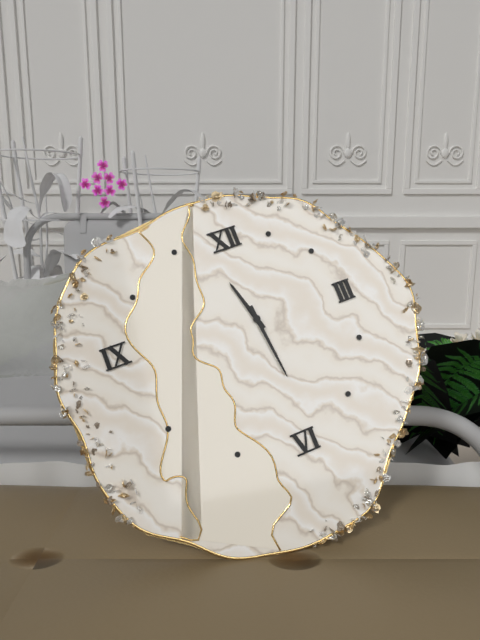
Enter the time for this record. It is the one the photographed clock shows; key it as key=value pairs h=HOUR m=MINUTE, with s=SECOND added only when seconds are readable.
h=11 m=29
